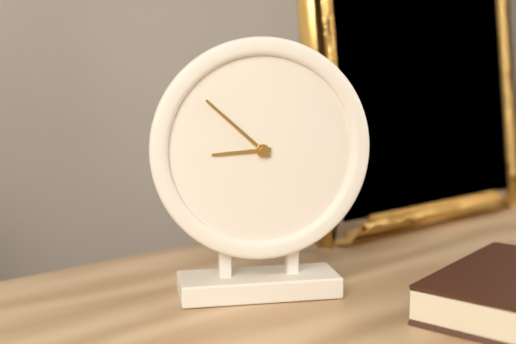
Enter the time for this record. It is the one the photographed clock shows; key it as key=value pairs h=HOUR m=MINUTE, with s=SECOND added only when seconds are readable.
h=8 m=52
